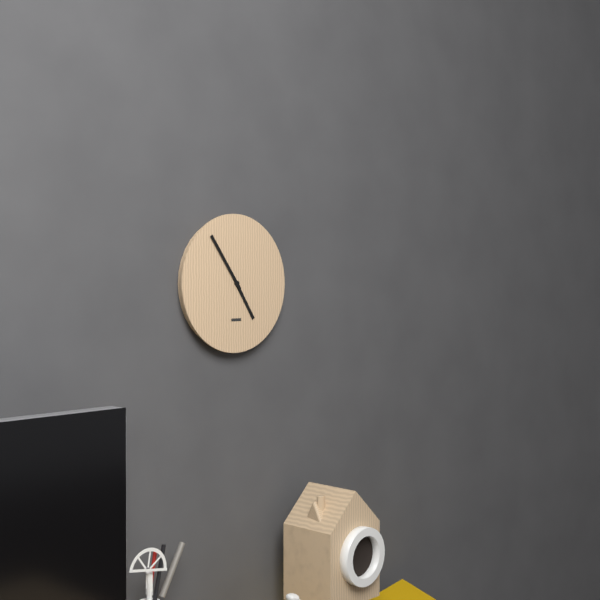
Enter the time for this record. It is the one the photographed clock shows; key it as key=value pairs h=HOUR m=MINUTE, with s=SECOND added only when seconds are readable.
h=4 m=54
